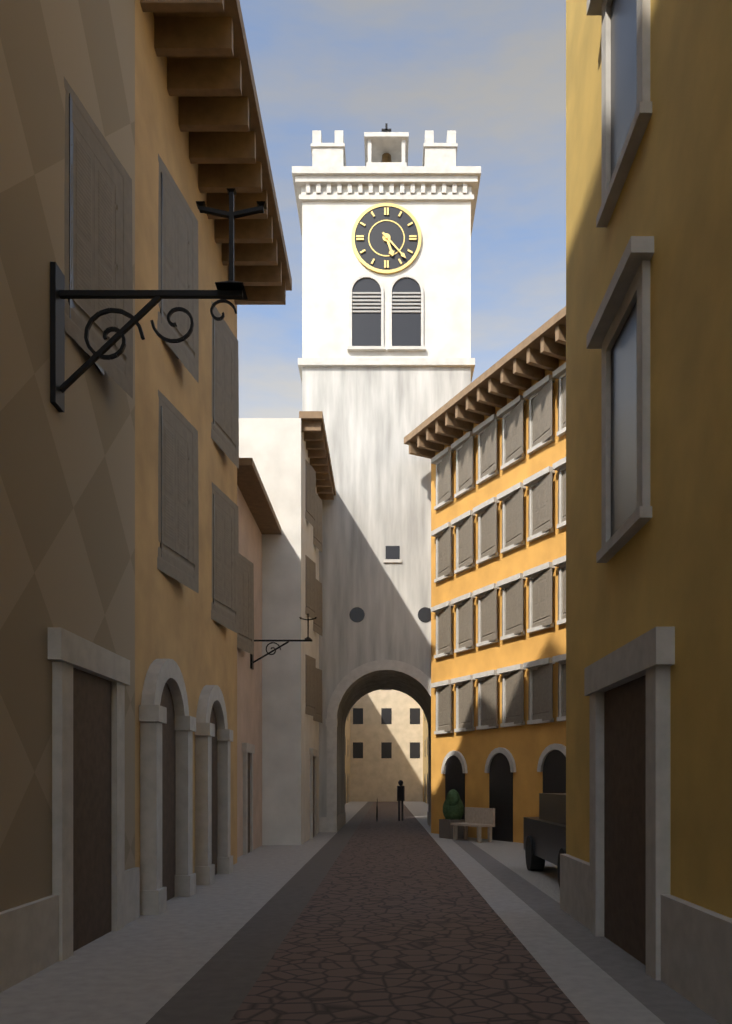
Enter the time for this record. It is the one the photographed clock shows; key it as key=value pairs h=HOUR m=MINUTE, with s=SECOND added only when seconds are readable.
h=5 m=23
